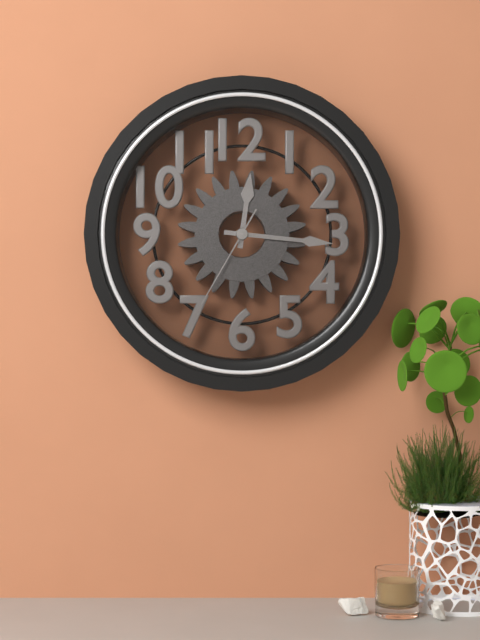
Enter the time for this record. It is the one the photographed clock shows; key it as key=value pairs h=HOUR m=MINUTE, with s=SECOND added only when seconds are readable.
h=12 m=16 s=35
